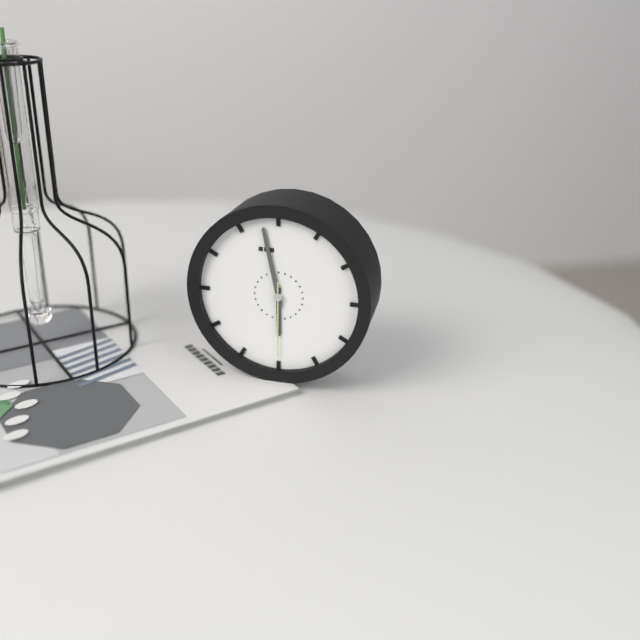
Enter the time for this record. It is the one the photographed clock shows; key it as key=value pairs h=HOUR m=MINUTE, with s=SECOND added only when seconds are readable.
h=5 m=58 s=30
